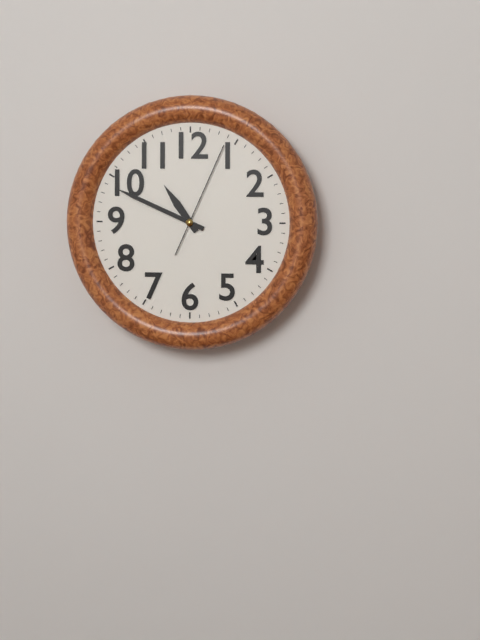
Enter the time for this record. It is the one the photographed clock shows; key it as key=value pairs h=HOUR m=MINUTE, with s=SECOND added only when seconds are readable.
h=10 m=49 s=4
